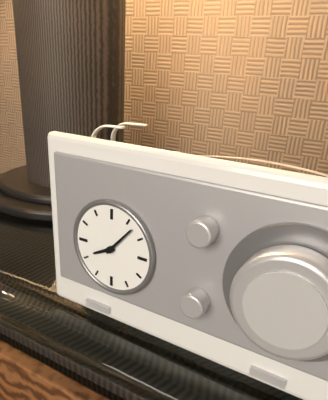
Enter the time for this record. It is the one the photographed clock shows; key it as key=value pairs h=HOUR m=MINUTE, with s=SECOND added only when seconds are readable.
h=8 m=7
